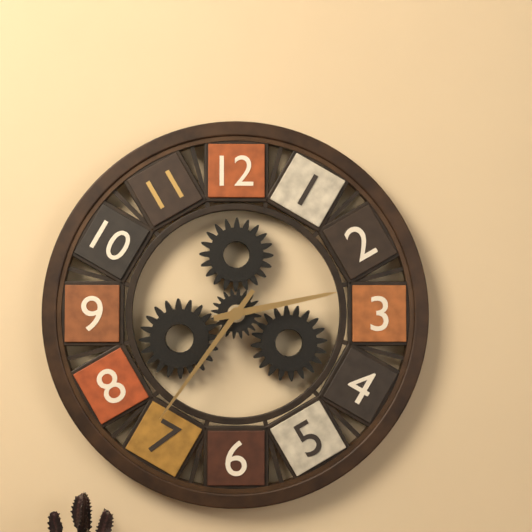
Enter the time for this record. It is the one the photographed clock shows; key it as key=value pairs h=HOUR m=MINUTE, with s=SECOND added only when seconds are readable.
h=2 m=36
